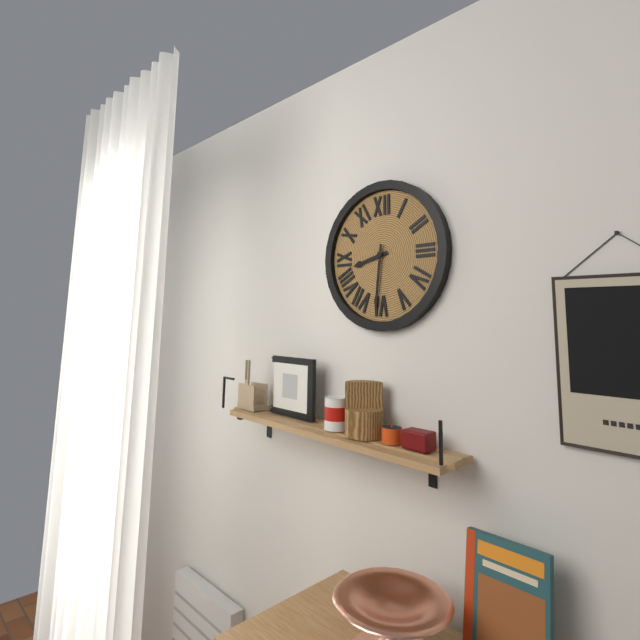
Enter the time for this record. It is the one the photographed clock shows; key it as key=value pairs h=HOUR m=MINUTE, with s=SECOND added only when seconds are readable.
h=8 m=31
